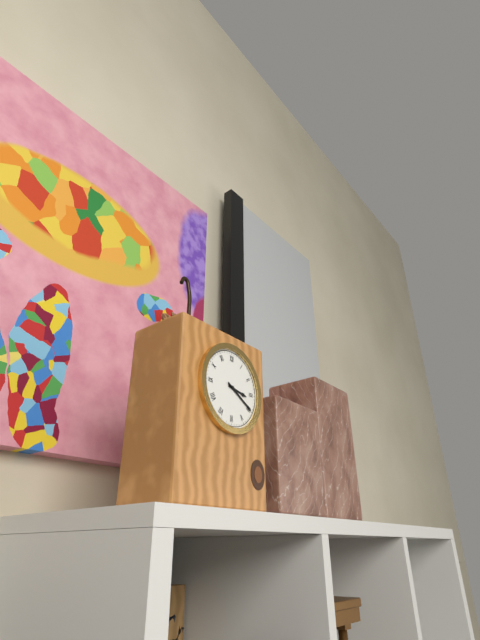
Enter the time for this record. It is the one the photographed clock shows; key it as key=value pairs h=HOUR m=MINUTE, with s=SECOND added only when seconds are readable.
h=3 m=20
